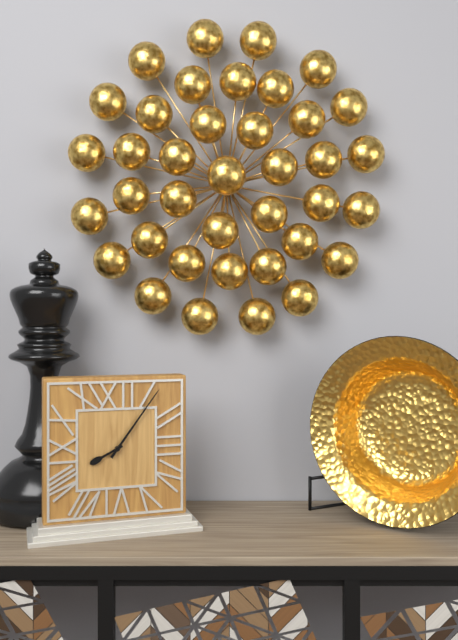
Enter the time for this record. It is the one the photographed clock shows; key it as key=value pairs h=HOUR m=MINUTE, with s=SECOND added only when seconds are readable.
h=8 m=6
